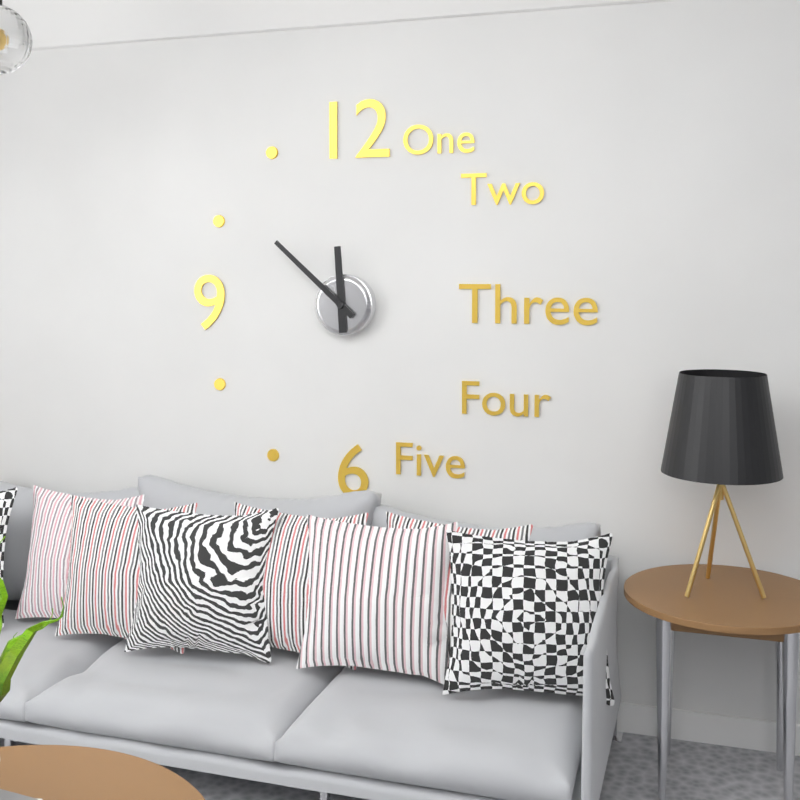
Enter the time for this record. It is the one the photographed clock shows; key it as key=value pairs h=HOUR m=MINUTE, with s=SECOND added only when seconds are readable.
h=11 m=52
